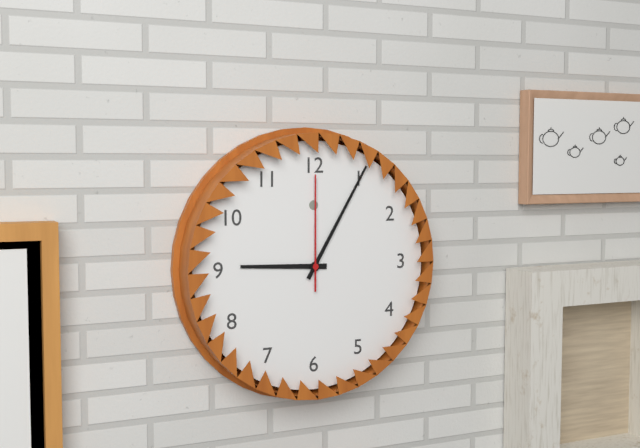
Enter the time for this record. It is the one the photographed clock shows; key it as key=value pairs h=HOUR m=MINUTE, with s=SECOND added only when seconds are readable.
h=9 m=5 s=0
